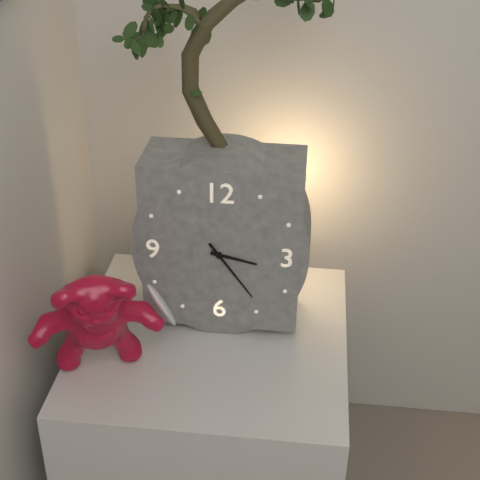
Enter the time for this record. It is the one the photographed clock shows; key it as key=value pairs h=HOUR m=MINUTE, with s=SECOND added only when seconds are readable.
h=3 m=24
